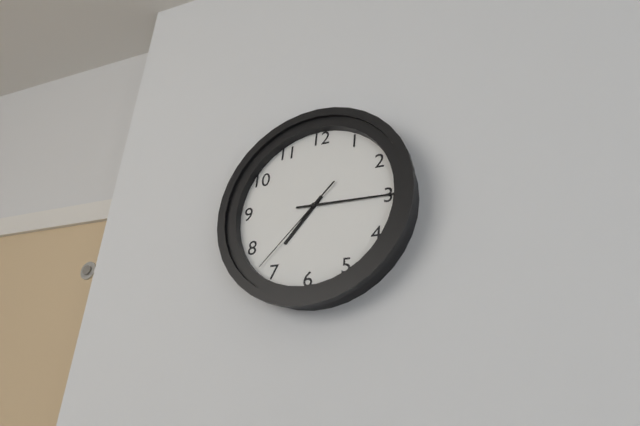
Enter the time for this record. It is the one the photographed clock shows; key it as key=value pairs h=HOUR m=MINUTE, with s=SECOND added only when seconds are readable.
h=7 m=15 s=37
